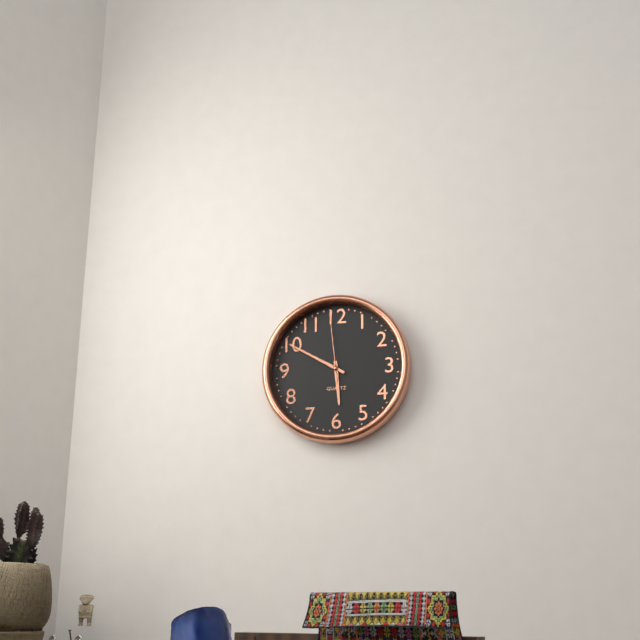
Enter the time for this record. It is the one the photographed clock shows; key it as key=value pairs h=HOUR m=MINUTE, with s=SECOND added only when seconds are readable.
h=5 m=50 s=59
